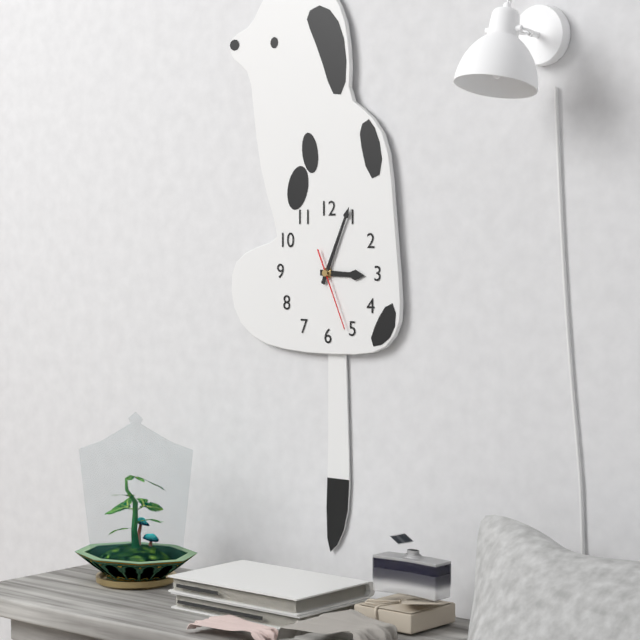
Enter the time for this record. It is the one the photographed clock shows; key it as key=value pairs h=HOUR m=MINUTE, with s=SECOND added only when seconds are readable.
h=3 m=4 s=26
